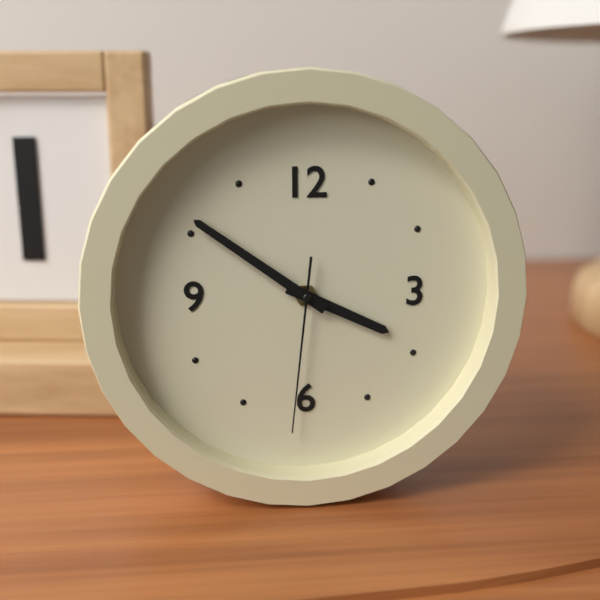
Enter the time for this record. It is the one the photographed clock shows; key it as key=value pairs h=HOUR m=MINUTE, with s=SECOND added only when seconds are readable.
h=3 m=51 s=31
